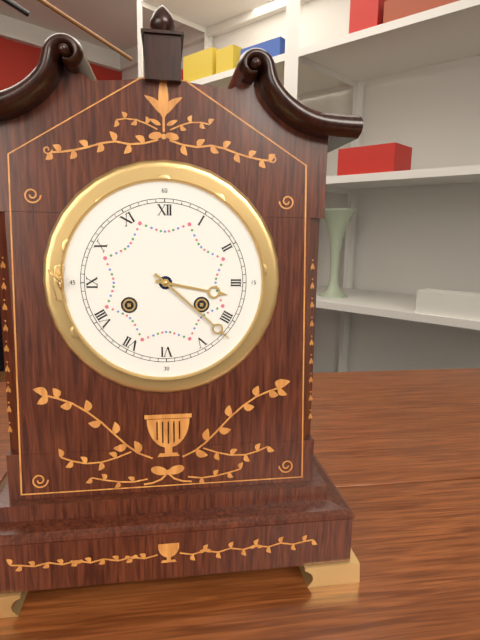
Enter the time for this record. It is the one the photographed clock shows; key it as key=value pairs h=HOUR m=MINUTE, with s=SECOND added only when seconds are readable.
h=3 m=22
